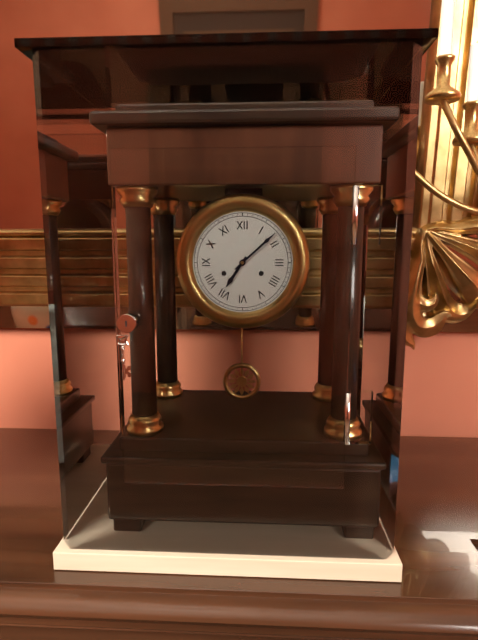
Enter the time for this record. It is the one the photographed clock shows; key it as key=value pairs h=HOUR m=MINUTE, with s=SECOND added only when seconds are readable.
h=7 m=8
